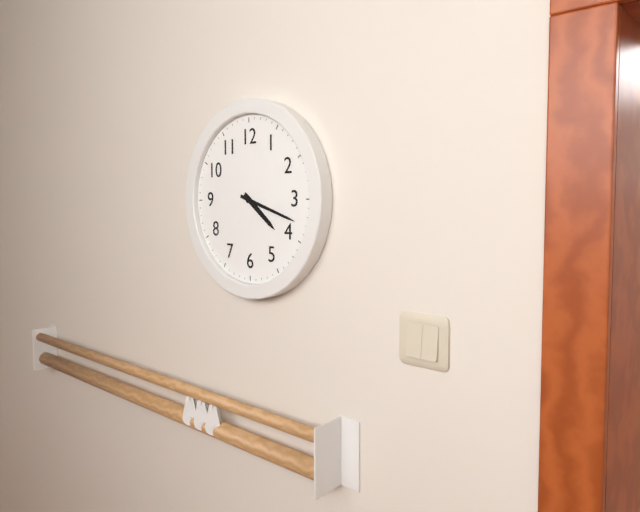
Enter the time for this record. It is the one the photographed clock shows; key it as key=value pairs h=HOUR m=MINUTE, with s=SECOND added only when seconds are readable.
h=4 m=18
